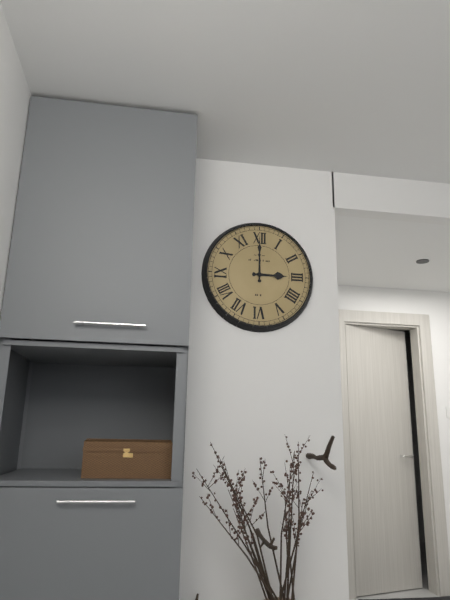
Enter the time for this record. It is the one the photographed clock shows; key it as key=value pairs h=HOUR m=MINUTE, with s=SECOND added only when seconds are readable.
h=3 m=0
